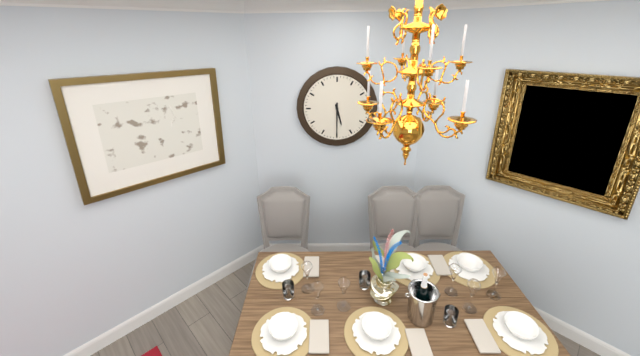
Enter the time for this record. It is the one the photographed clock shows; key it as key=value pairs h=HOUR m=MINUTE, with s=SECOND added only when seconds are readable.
h=5 m=30
